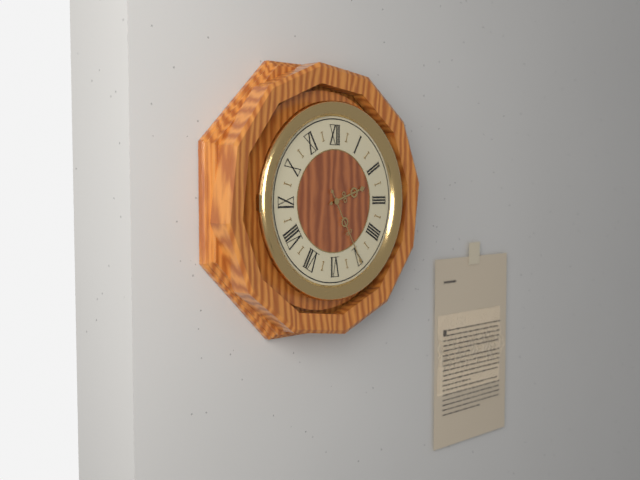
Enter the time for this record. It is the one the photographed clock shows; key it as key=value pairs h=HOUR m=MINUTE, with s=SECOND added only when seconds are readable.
h=2 m=25
